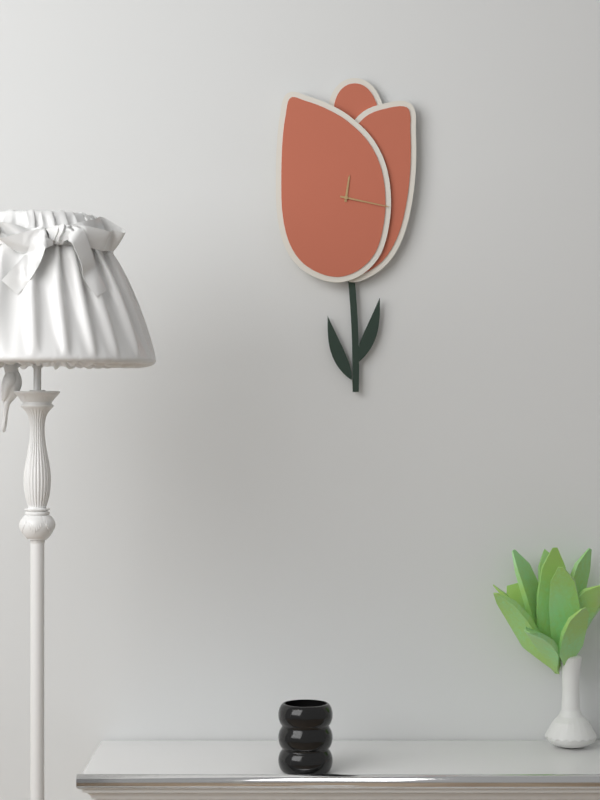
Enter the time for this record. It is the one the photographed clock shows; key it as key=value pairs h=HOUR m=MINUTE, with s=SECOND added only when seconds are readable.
h=12 m=17
